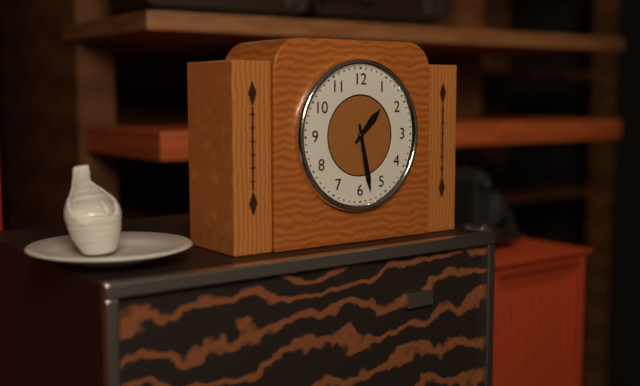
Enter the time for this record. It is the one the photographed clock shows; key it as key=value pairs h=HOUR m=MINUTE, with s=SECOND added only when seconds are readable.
h=1 m=28
